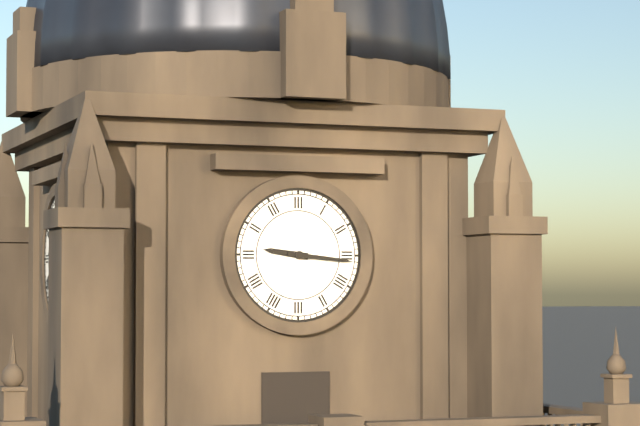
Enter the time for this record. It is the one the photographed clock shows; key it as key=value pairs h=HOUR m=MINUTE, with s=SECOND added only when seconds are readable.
h=9 m=16
